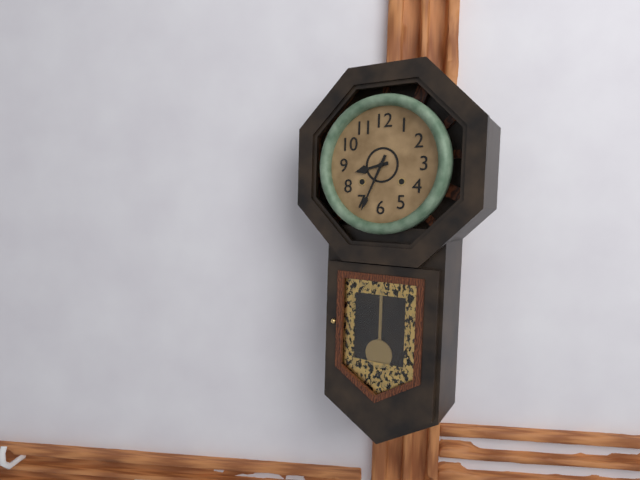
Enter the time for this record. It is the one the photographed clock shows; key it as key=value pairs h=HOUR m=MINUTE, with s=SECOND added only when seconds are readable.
h=8 m=34
